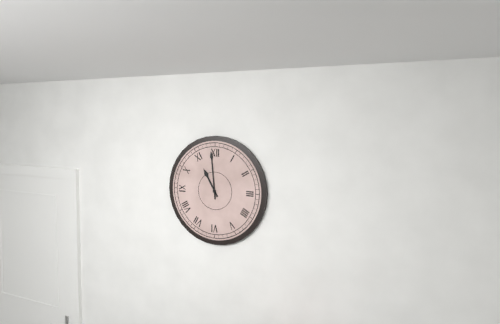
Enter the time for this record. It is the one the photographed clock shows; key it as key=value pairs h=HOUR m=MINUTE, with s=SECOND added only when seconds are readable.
h=10 m=59
